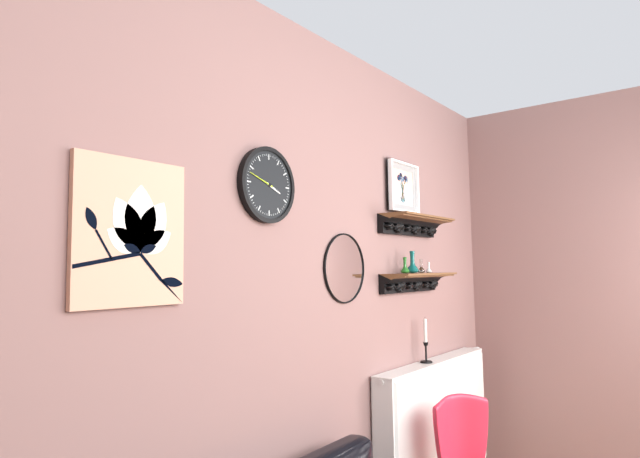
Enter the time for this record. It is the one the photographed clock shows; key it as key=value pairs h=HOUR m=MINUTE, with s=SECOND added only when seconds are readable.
h=3 m=48
